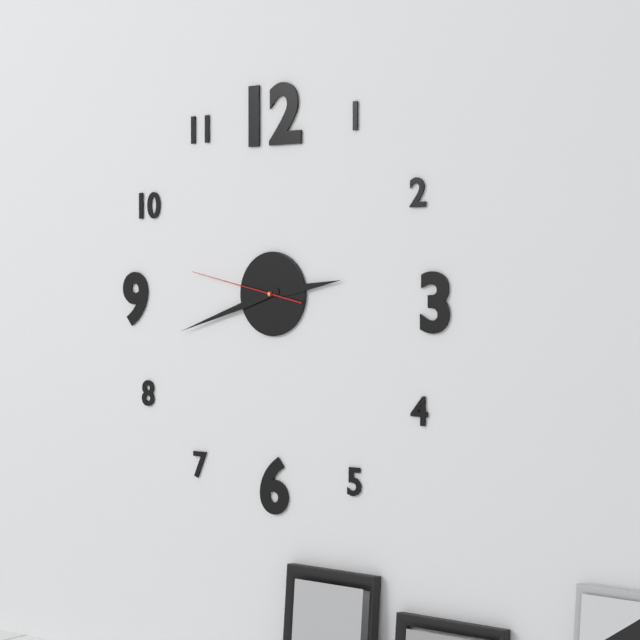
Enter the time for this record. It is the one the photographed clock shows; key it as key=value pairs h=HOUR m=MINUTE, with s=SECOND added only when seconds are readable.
h=2 m=42 s=47
